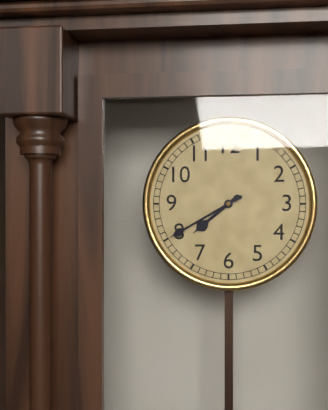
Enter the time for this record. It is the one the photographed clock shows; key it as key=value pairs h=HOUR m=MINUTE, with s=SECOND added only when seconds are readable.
h=7 m=40
